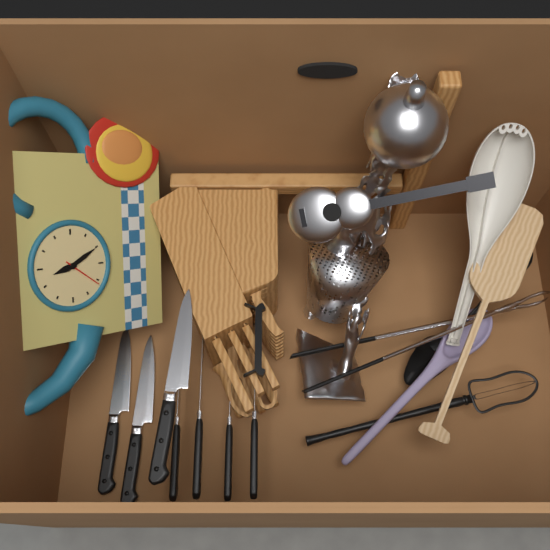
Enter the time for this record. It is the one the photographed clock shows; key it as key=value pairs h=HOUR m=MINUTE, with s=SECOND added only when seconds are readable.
h=11 m=25
